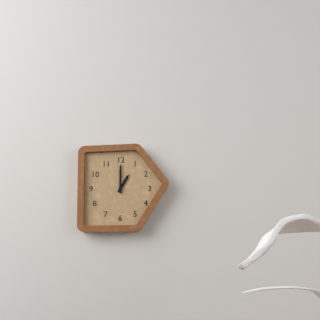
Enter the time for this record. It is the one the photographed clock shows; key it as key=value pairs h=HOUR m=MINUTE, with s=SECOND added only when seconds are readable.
h=1 m=0
